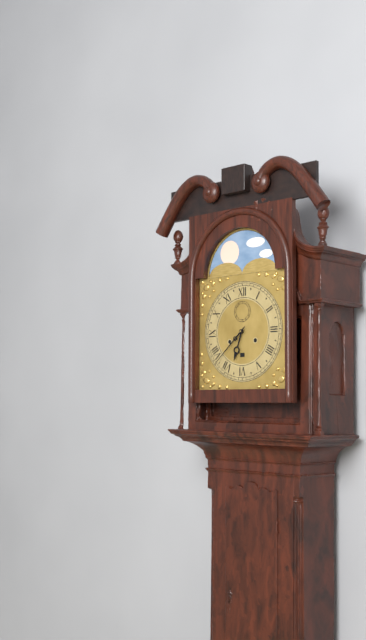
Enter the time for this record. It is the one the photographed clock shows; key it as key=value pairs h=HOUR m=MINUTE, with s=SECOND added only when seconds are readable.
h=6 m=38
